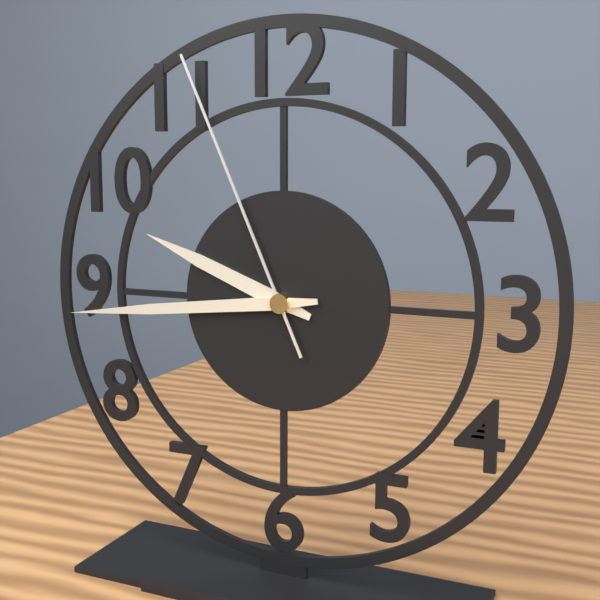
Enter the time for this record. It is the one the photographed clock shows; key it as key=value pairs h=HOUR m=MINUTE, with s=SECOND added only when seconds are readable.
h=9 m=44 s=56
